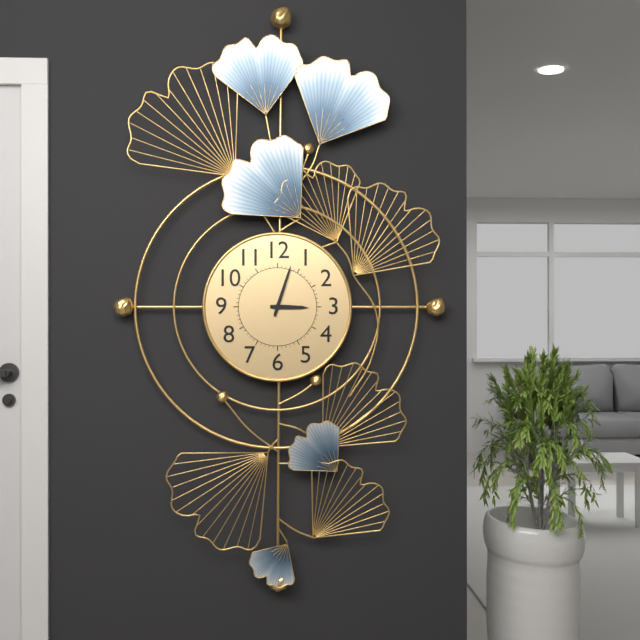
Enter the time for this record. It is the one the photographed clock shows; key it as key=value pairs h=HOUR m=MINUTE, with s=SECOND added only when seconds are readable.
h=3 m=3
